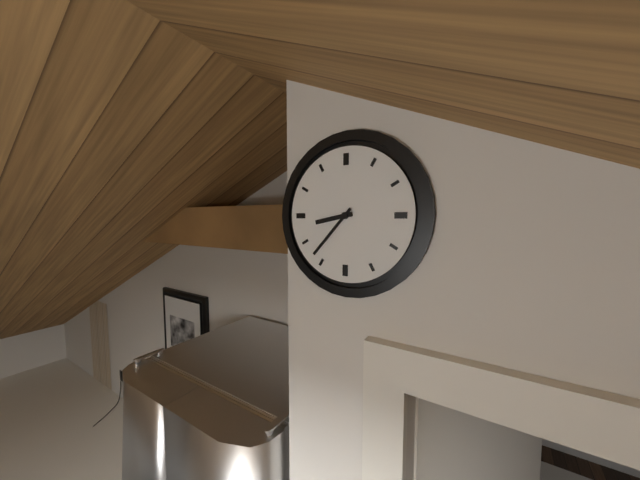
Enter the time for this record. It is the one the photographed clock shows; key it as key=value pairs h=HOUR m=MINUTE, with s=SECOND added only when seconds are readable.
h=8 m=37
